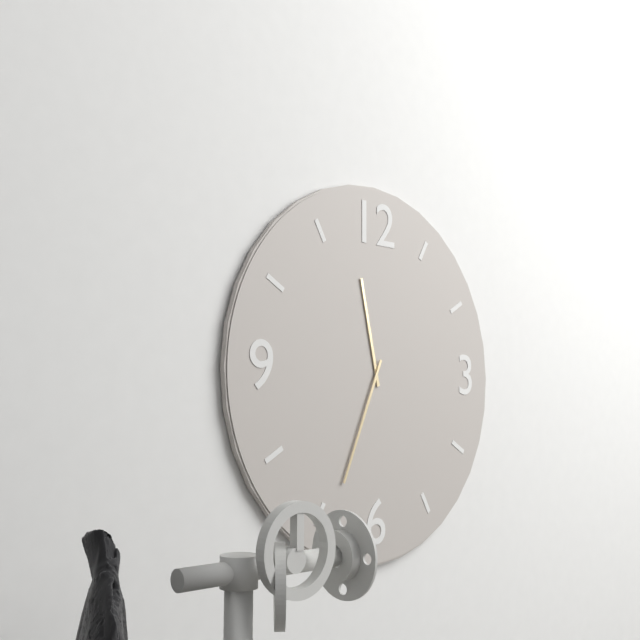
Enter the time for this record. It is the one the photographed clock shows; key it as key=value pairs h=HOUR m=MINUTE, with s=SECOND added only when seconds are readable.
h=11 m=34
